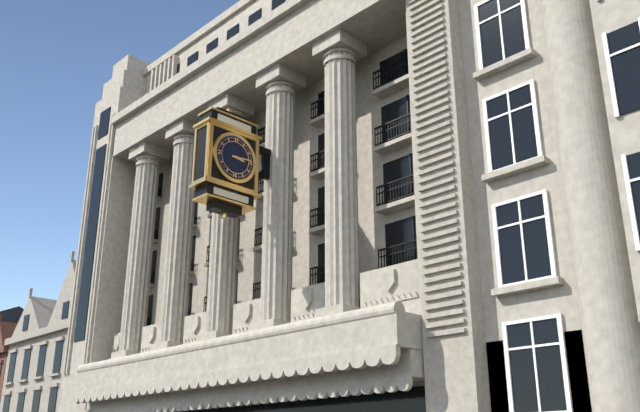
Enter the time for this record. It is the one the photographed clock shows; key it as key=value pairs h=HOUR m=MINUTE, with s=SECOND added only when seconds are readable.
h=3 m=14
